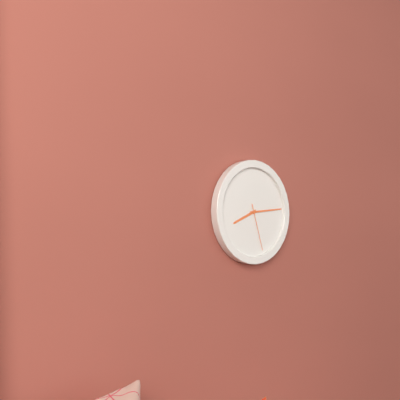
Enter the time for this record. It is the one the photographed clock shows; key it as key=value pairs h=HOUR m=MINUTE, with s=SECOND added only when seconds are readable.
h=8 m=14
